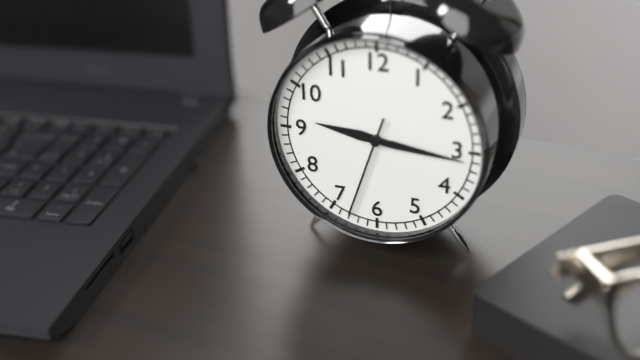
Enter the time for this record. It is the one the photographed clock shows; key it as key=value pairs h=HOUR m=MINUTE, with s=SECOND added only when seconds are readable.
h=9 m=16 s=33
